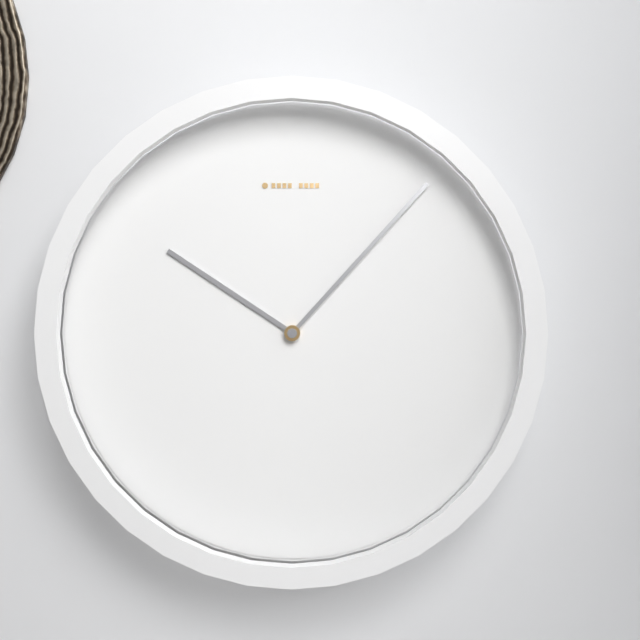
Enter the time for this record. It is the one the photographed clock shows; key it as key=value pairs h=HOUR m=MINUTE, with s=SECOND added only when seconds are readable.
h=10 m=7
